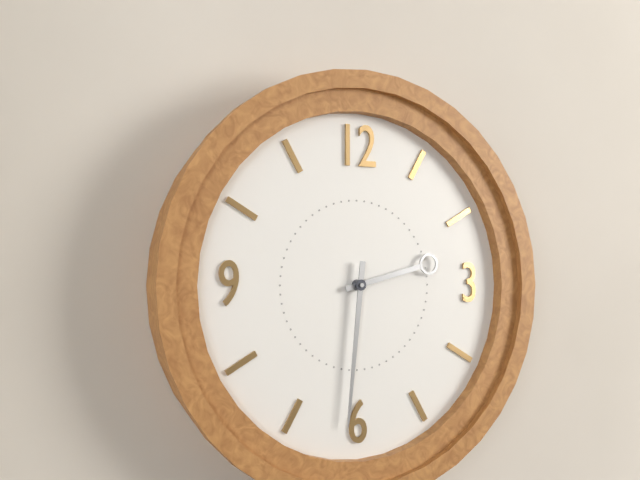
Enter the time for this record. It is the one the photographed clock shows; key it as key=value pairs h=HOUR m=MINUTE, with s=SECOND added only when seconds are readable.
h=2 m=31
